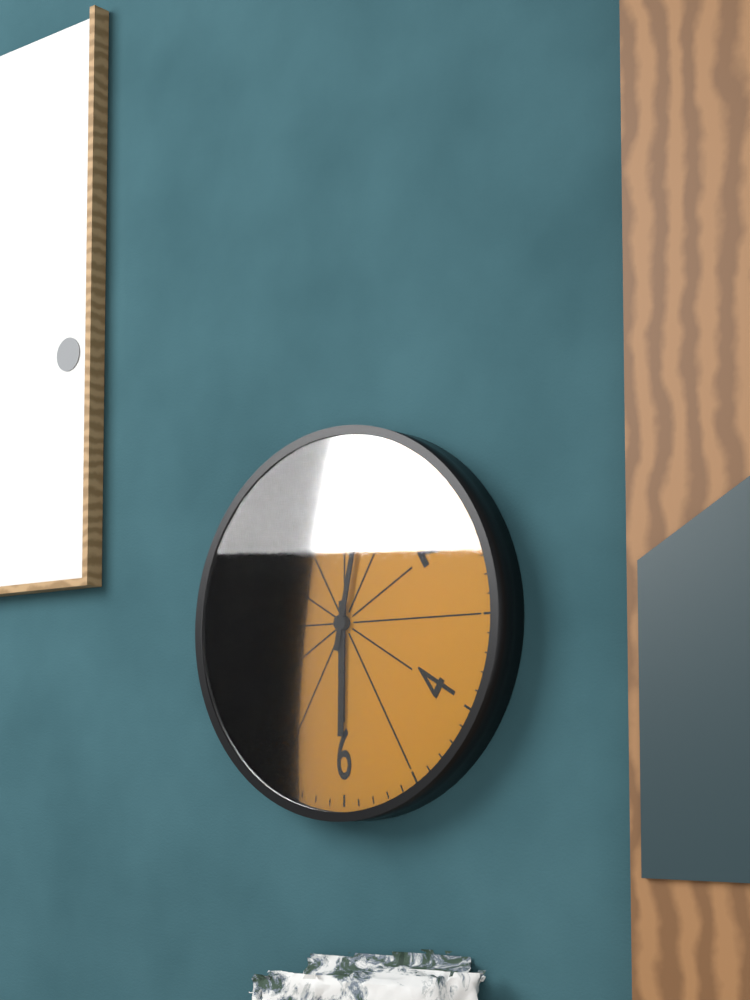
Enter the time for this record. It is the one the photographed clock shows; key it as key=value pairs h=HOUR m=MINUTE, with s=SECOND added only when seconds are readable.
h=6 m=2
